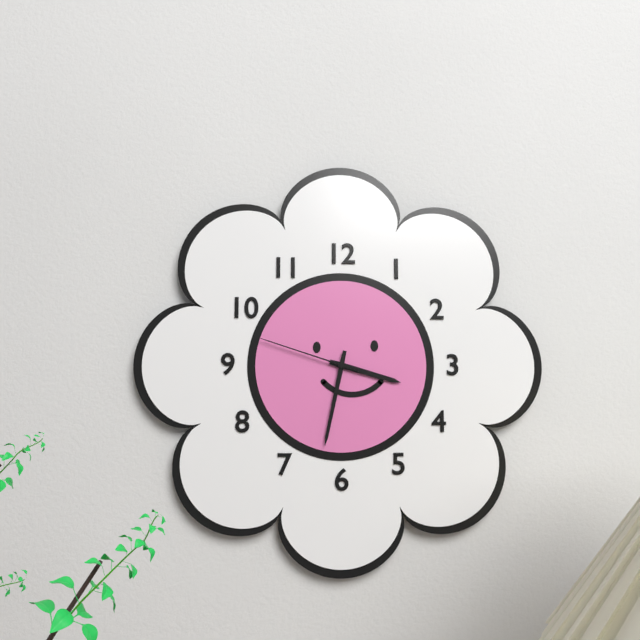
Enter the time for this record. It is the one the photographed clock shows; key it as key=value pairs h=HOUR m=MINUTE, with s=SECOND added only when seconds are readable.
h=3 m=32 s=48
